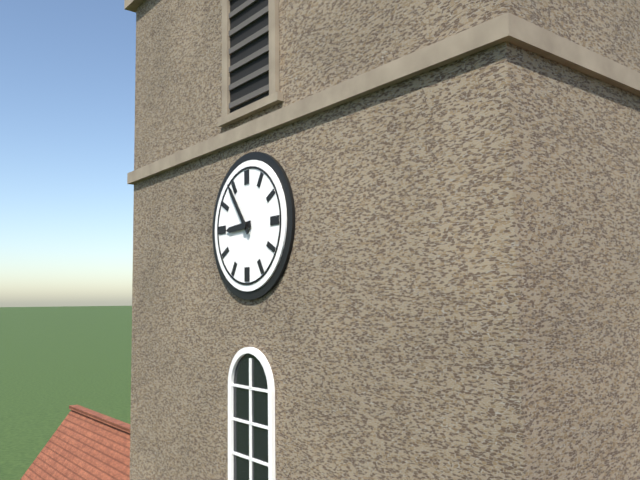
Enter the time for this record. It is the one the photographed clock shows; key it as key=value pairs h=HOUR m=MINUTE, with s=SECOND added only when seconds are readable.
h=8 m=54
